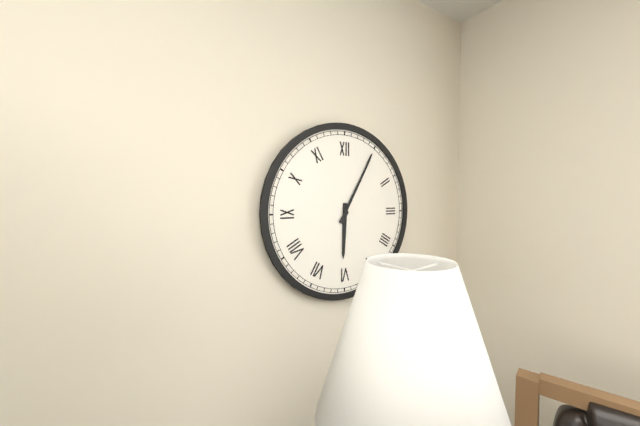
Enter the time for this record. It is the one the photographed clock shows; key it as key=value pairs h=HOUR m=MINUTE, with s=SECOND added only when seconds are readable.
h=6 m=5
